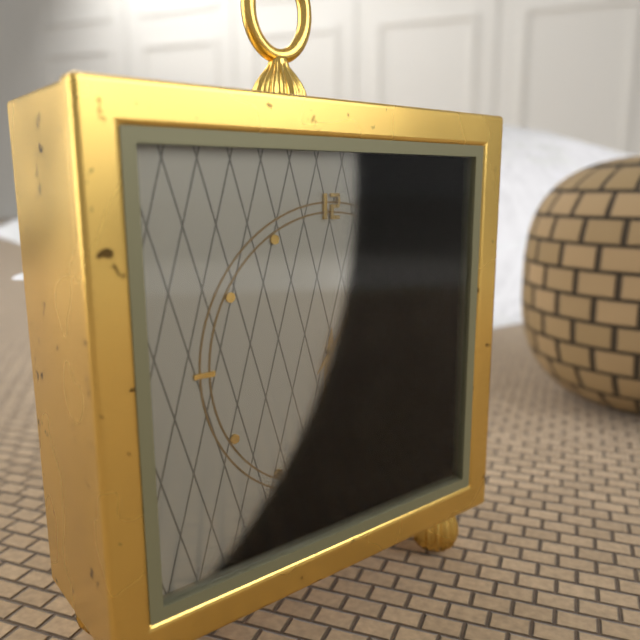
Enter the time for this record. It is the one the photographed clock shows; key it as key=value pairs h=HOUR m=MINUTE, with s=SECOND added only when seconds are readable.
h=6 m=7
